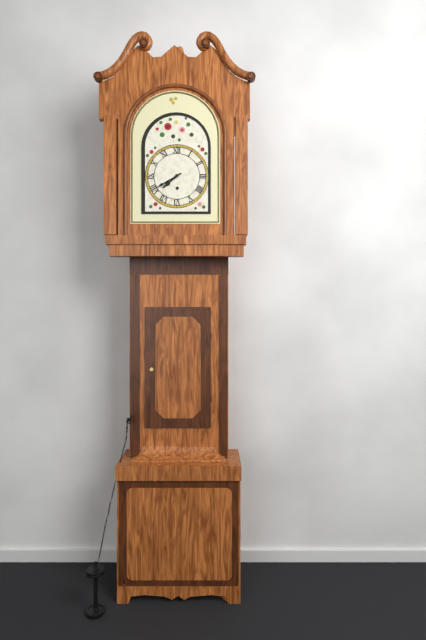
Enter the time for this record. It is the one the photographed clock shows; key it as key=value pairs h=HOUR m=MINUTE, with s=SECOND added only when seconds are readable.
h=7 m=40
